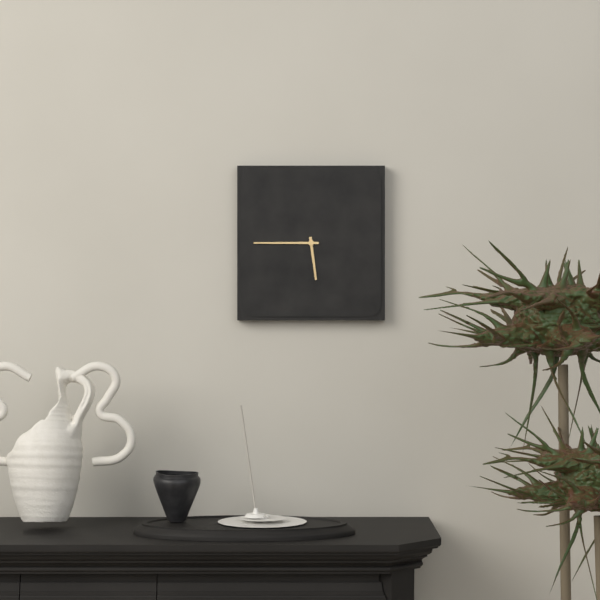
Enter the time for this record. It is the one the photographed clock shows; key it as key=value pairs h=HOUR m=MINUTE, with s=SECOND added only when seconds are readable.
h=5 m=45
